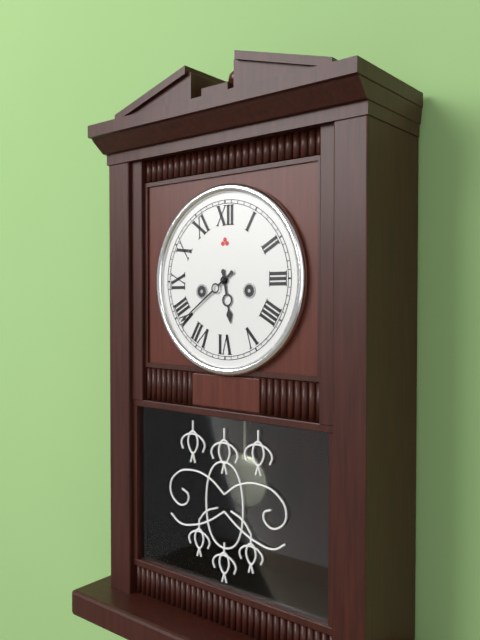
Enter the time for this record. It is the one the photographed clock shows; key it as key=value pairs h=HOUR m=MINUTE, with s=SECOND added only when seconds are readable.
h=5 m=39
